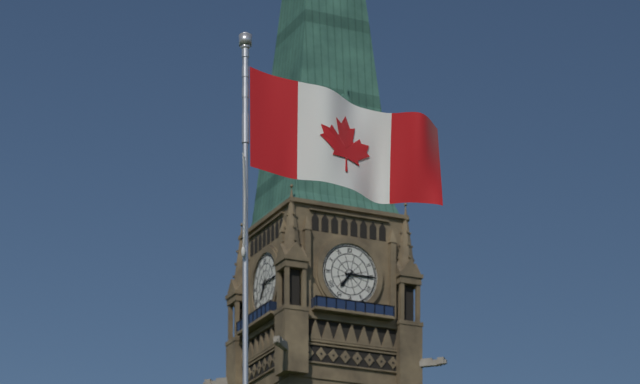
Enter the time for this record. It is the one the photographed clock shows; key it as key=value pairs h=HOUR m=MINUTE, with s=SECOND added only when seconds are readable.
h=7 m=15
